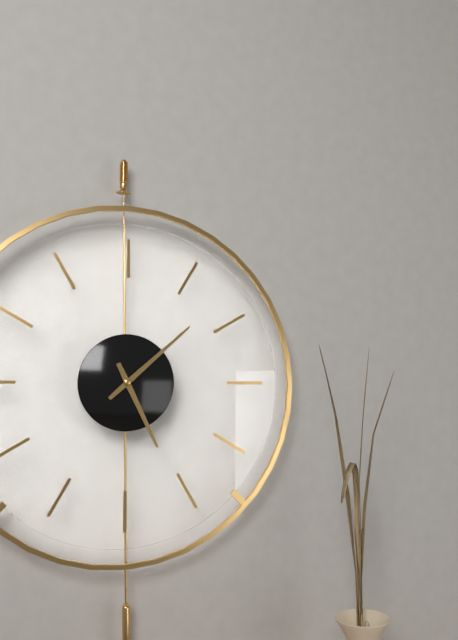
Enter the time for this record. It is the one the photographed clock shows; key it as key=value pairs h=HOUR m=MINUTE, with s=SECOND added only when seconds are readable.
h=5 m=8
